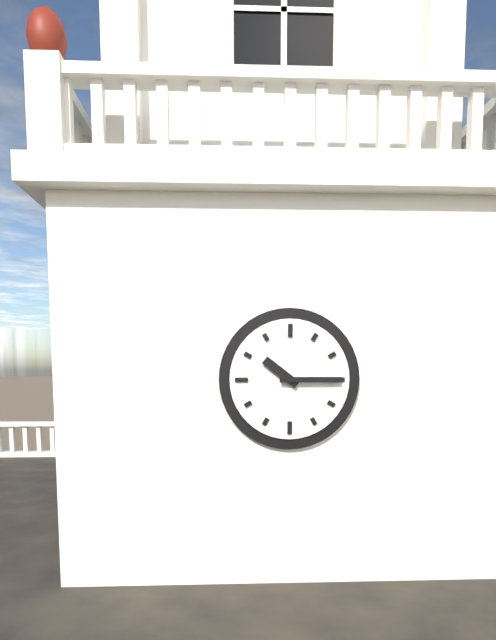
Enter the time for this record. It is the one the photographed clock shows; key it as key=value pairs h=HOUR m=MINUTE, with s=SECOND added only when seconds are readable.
h=10 m=15
